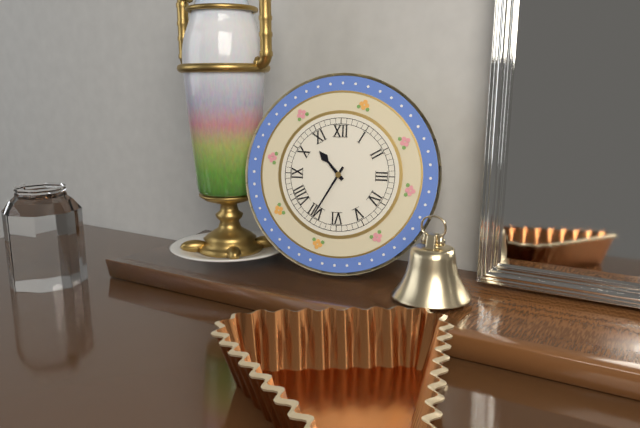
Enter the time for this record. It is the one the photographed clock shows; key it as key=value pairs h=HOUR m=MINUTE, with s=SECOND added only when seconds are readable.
h=10 m=35
